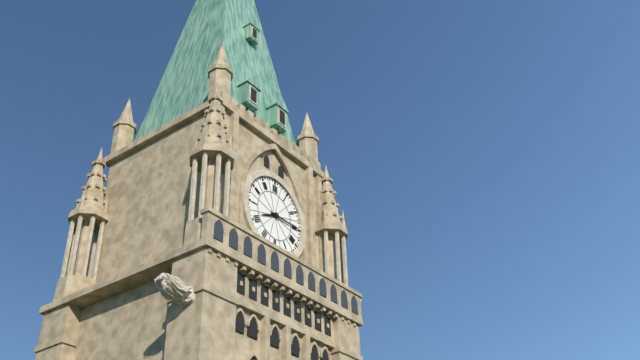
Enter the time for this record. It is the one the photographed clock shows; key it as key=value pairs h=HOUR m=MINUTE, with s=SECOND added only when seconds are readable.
h=8 m=15
